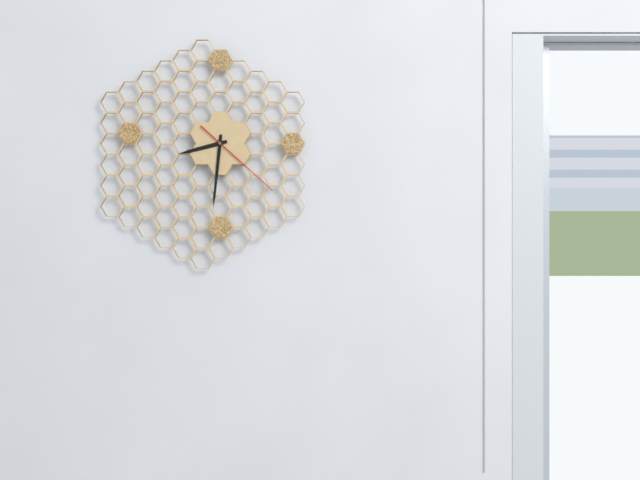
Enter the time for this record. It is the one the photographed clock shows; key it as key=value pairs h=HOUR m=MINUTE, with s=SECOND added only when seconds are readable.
h=8 m=31 s=22
